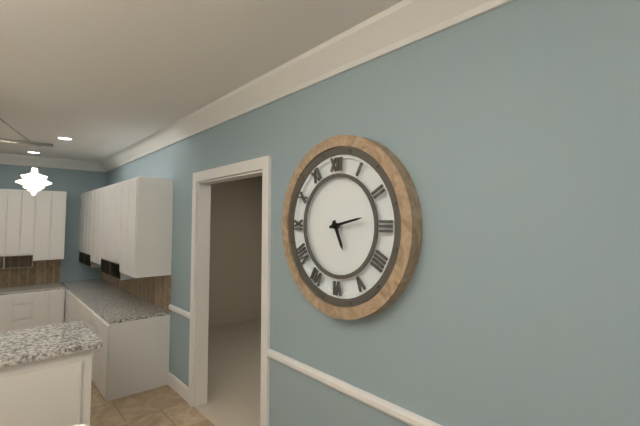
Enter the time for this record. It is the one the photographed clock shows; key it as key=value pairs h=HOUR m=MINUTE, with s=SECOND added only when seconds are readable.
h=5 m=13
